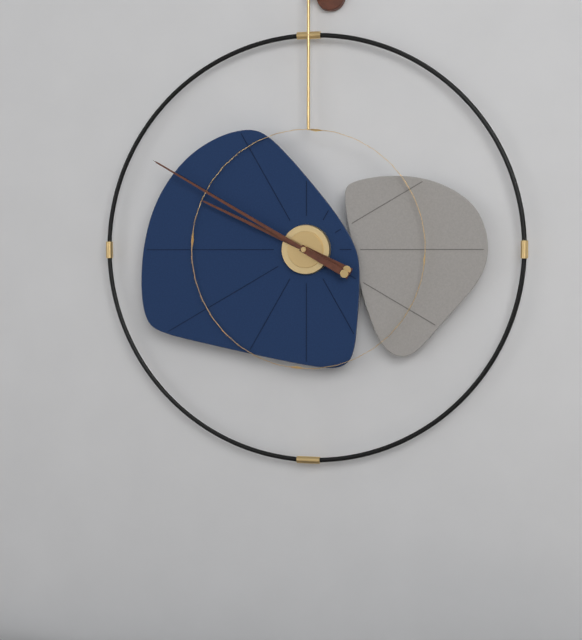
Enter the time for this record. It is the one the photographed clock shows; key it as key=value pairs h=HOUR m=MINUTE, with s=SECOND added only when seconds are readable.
h=9 m=50
